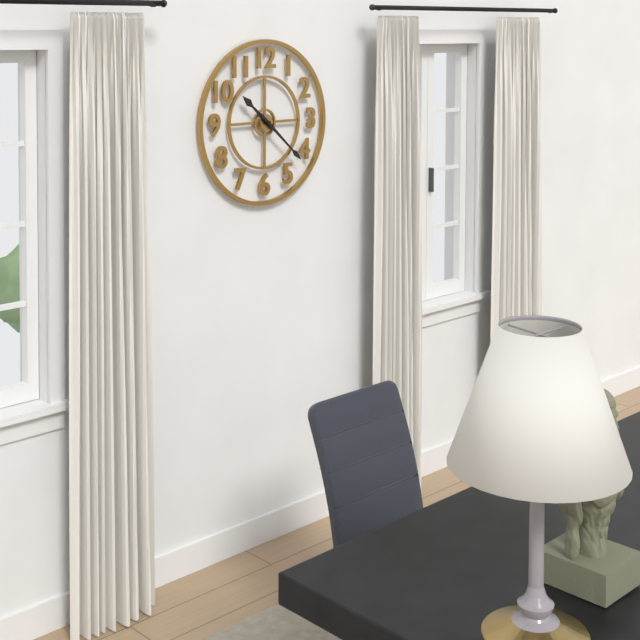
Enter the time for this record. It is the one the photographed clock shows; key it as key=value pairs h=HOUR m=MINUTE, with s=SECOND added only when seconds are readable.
h=10 m=22
